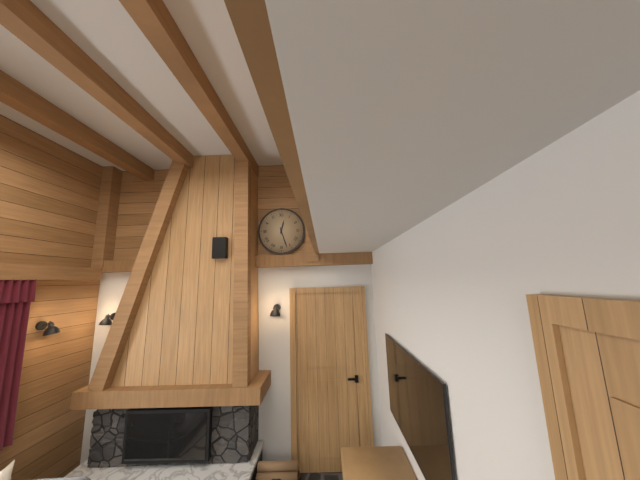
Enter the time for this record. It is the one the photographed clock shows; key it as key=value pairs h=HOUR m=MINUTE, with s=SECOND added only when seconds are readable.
h=12 m=27
